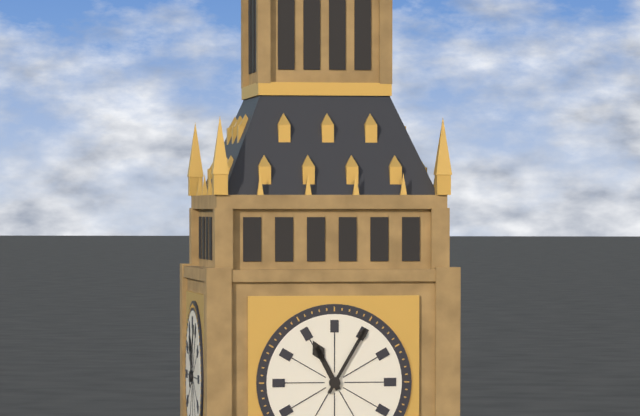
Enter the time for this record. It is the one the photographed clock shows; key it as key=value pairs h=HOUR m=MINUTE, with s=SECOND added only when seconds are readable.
h=11 m=5
